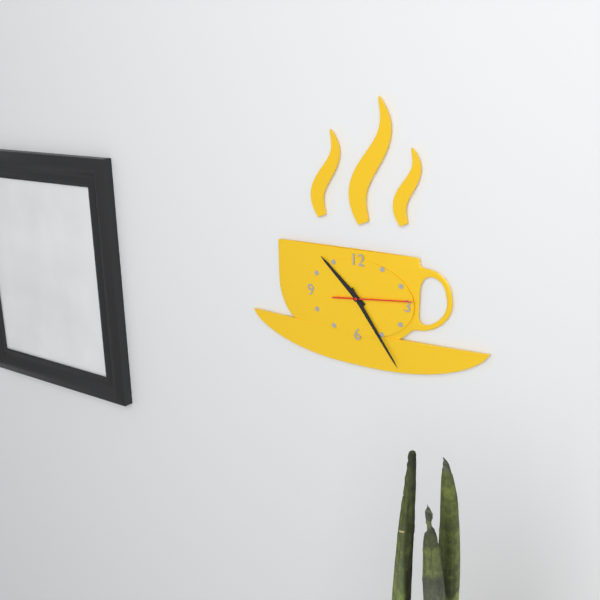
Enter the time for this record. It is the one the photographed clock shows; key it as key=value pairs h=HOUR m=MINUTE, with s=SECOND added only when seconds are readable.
h=10 m=24 s=14
